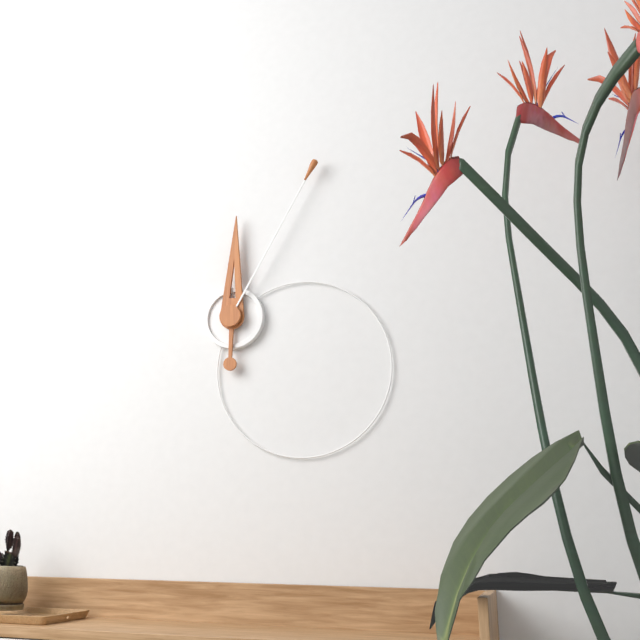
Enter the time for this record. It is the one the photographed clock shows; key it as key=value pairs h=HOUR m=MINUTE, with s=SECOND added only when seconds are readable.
h=12 m=5
